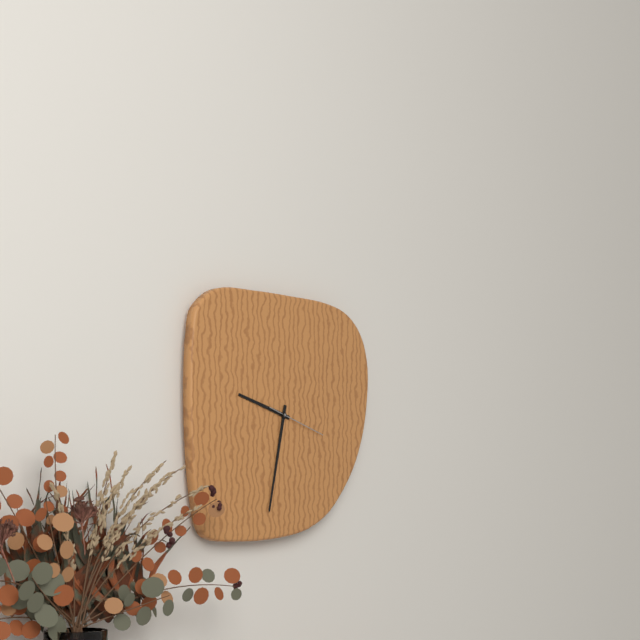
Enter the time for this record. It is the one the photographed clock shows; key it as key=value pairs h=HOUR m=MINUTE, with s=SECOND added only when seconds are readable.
h=9 m=32 s=18
